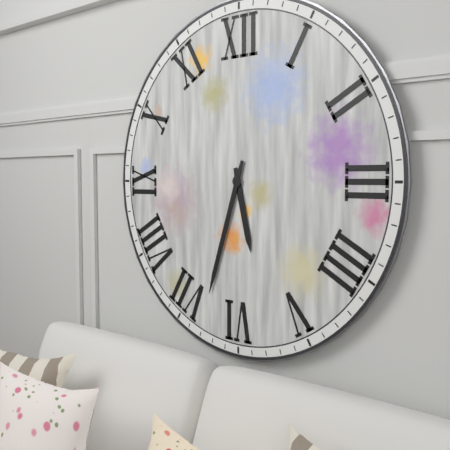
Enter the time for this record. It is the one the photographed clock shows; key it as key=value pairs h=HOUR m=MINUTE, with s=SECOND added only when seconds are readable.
h=5 m=33
